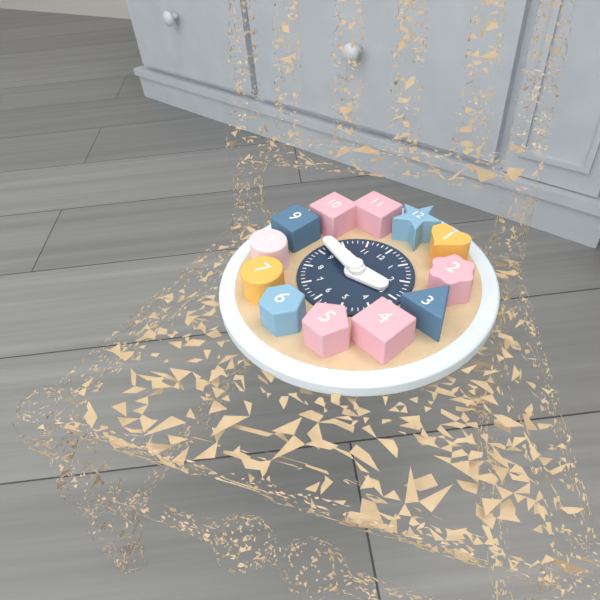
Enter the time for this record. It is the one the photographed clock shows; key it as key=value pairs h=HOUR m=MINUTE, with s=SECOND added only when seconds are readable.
h=2 m=47
